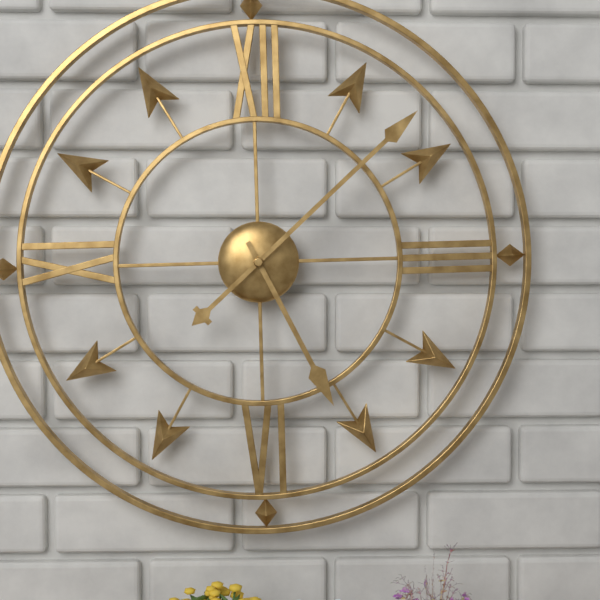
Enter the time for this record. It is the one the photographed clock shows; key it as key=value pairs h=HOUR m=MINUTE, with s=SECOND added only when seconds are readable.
h=5 m=8
